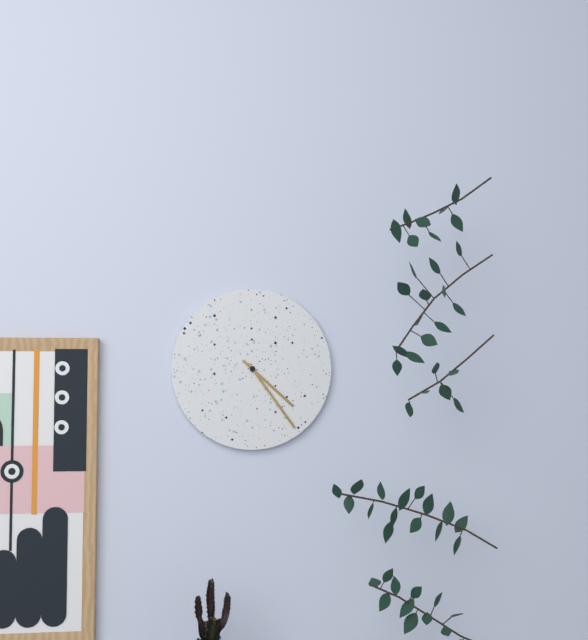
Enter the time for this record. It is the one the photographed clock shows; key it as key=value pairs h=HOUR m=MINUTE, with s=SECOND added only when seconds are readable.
h=4 m=24
